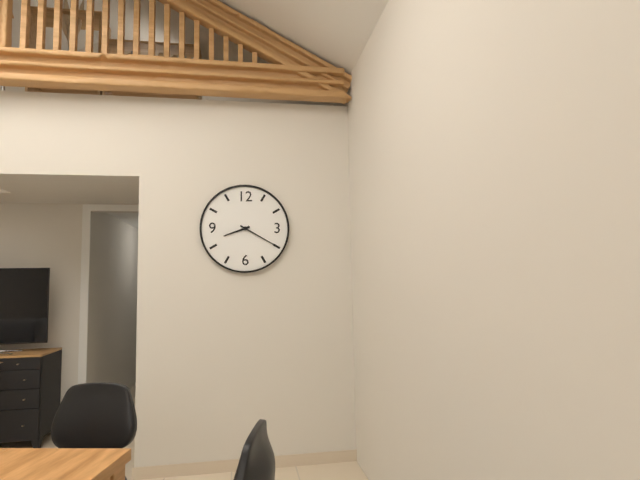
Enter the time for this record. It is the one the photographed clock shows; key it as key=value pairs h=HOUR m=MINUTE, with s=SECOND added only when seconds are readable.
h=8 m=20
